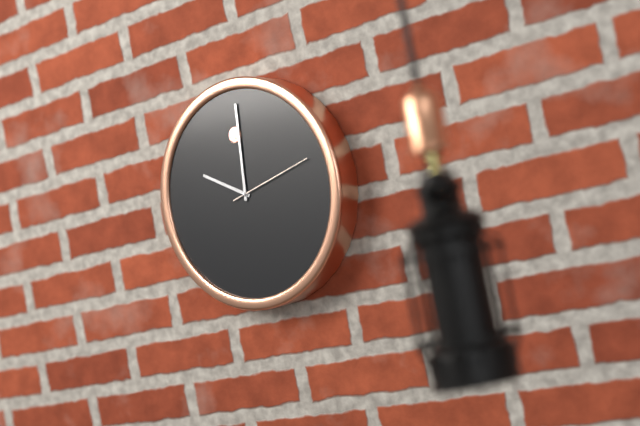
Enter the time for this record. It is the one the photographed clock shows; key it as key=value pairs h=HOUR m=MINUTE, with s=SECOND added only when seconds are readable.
h=10 m=1 s=13
